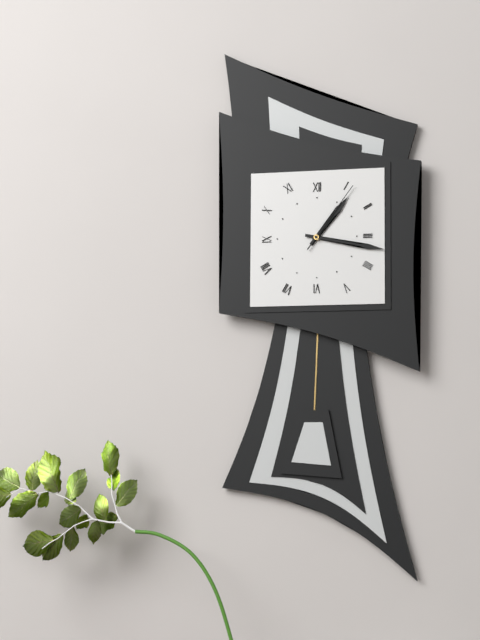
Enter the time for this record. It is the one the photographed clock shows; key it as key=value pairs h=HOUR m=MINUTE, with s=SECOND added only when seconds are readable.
h=1 m=17 s=6
